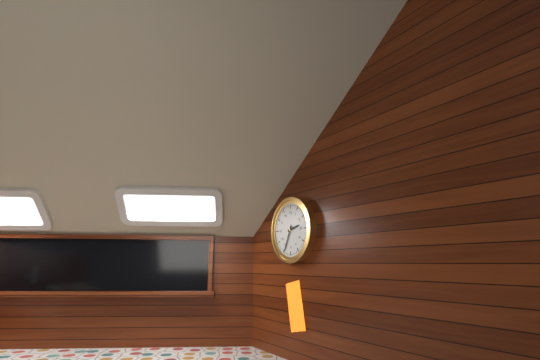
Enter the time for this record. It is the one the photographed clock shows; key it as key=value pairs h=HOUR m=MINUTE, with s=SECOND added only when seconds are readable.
h=2 m=34
